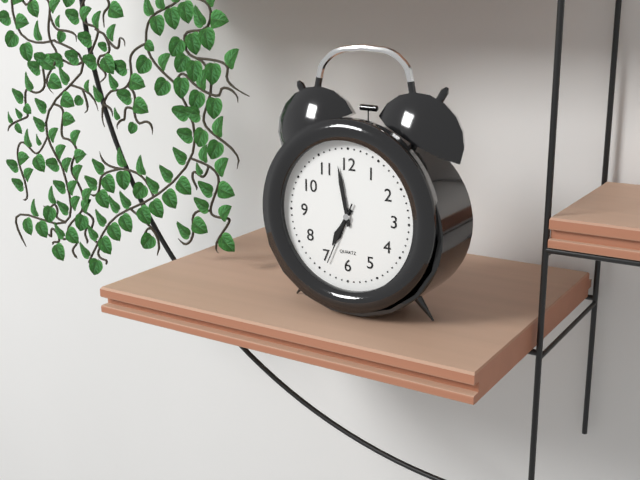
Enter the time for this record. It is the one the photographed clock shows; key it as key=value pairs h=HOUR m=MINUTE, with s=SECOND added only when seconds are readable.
h=6 m=58 s=34
